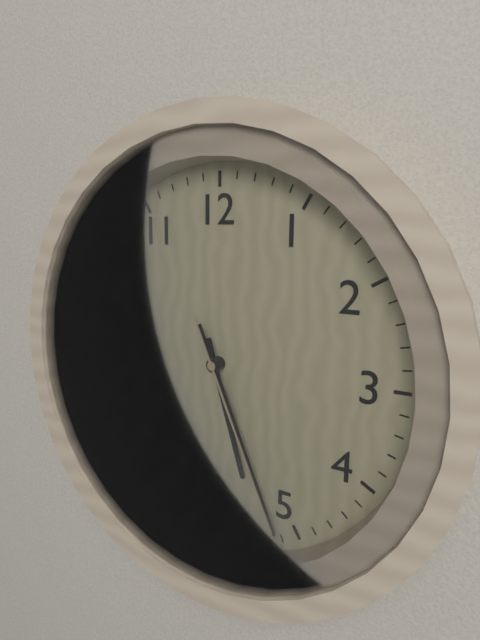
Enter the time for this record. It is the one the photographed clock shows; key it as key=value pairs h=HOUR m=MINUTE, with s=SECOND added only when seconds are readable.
h=5 m=26 s=26
